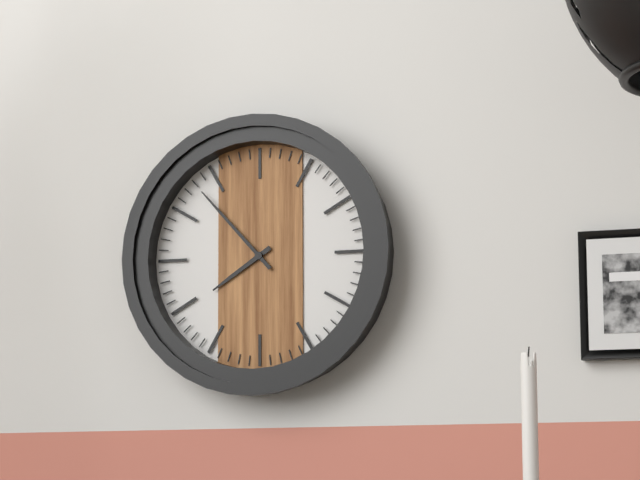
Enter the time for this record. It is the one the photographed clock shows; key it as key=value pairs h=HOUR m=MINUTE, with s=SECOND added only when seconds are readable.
h=7 m=53
